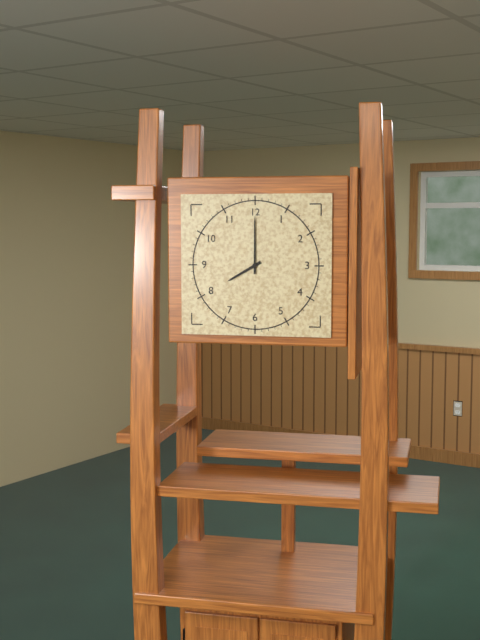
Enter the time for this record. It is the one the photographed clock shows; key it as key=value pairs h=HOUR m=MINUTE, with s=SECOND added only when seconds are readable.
h=8 m=0
